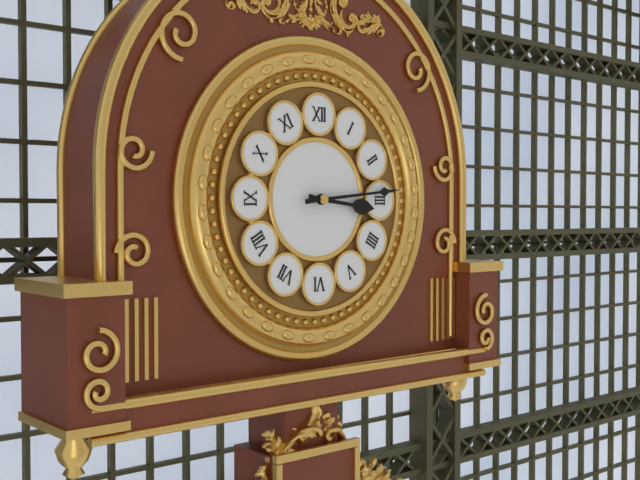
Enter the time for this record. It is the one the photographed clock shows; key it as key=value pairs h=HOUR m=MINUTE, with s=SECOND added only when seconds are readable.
h=3 m=14
